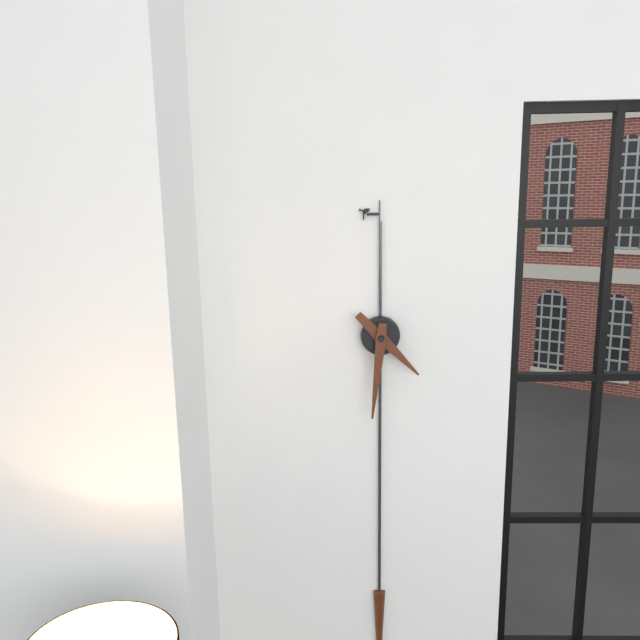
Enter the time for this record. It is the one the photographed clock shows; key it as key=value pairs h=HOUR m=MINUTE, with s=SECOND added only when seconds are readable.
h=4 m=31
